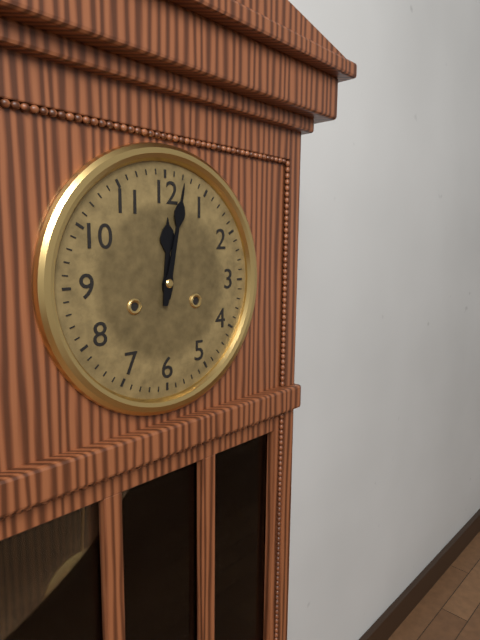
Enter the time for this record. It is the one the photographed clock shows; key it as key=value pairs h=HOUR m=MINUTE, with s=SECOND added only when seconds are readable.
h=12 m=2
